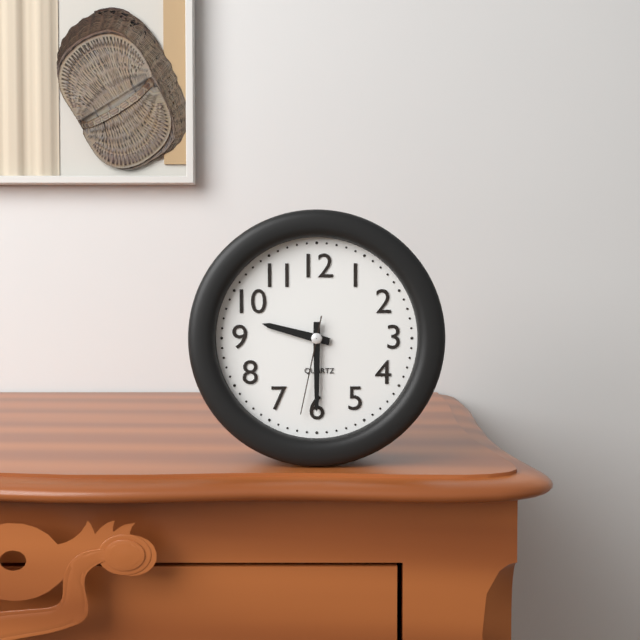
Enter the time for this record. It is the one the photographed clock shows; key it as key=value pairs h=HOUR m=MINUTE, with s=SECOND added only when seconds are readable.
h=9 m=30 s=32
